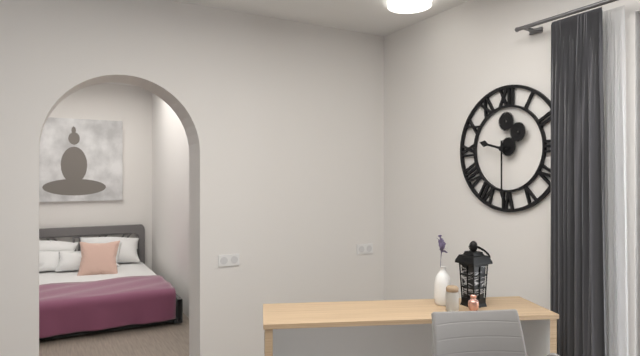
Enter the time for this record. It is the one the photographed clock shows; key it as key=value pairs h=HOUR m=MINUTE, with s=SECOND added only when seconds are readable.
h=9 m=30
